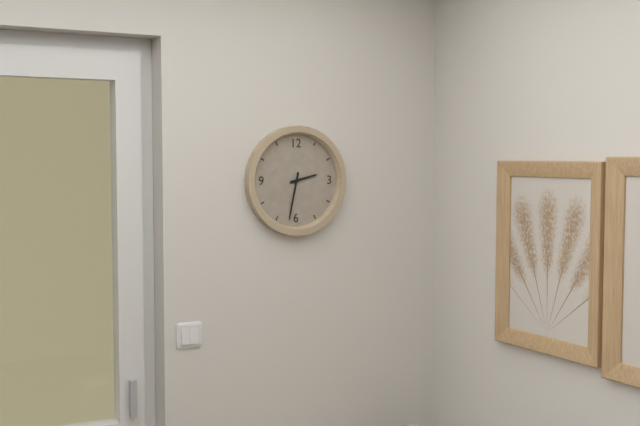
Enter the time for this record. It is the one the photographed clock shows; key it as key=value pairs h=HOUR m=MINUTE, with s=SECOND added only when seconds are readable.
h=2 m=32
